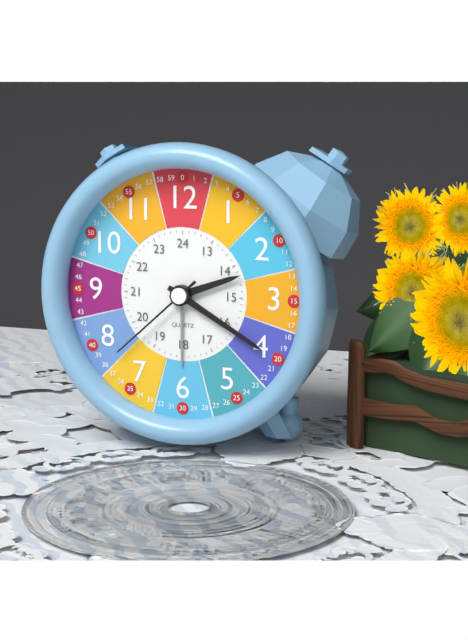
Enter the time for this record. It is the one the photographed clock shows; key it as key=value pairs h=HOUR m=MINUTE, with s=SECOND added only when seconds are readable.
h=2 m=20 s=38
